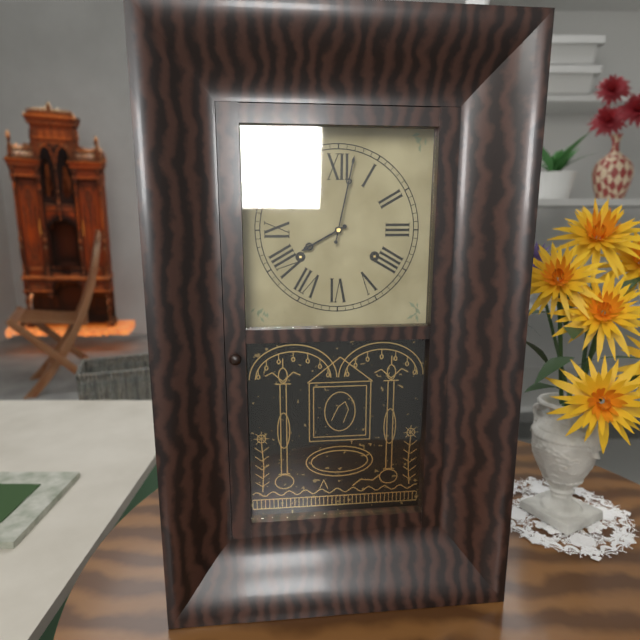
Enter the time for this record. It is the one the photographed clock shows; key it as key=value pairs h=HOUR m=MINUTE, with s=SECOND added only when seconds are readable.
h=8 m=2
